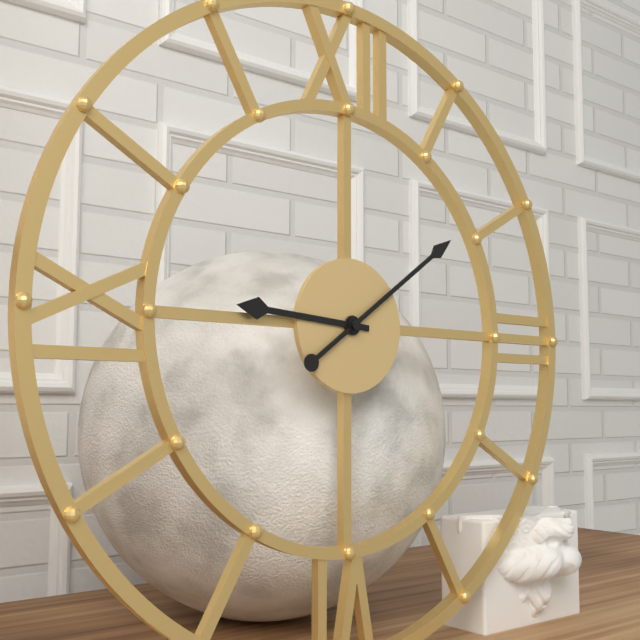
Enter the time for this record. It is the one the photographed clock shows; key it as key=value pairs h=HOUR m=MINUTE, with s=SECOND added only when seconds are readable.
h=9 m=9
